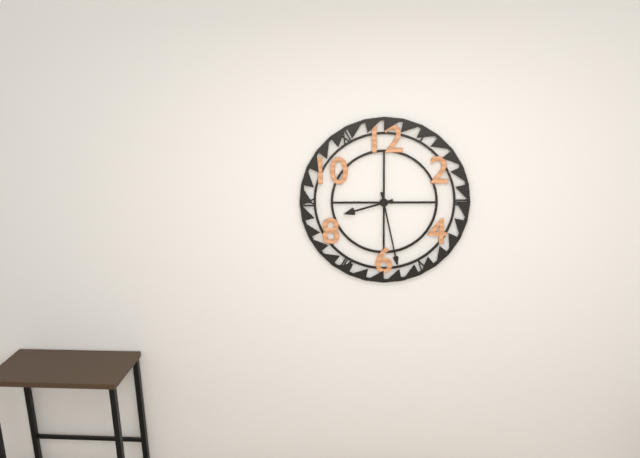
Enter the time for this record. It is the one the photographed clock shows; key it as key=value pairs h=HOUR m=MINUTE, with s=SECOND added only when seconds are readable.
h=8 m=28
